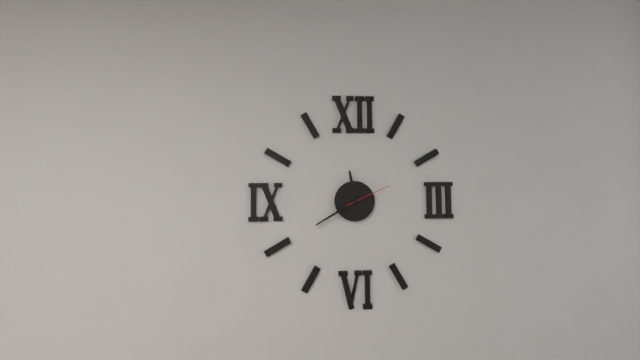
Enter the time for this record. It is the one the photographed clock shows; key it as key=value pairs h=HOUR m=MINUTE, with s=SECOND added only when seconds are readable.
h=11 m=40
